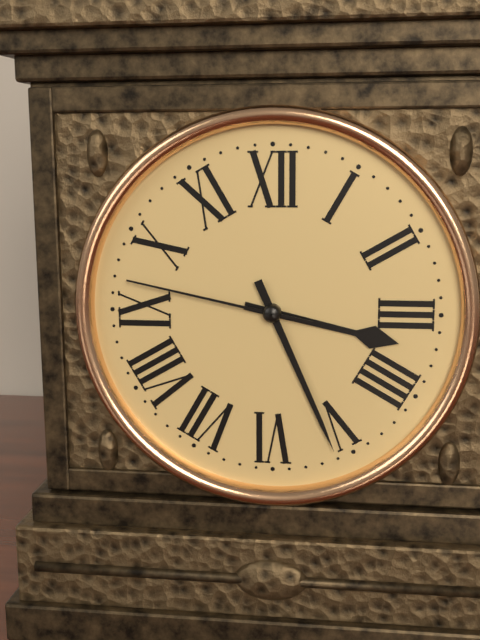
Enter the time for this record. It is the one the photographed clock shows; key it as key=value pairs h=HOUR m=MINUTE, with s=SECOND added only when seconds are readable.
h=3 m=26 s=47
